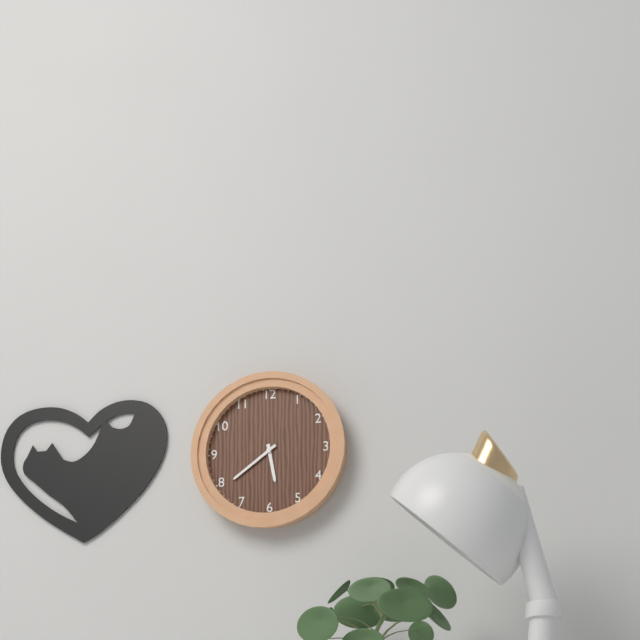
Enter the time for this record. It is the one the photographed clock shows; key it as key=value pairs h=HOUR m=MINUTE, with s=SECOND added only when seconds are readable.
h=5 m=39
